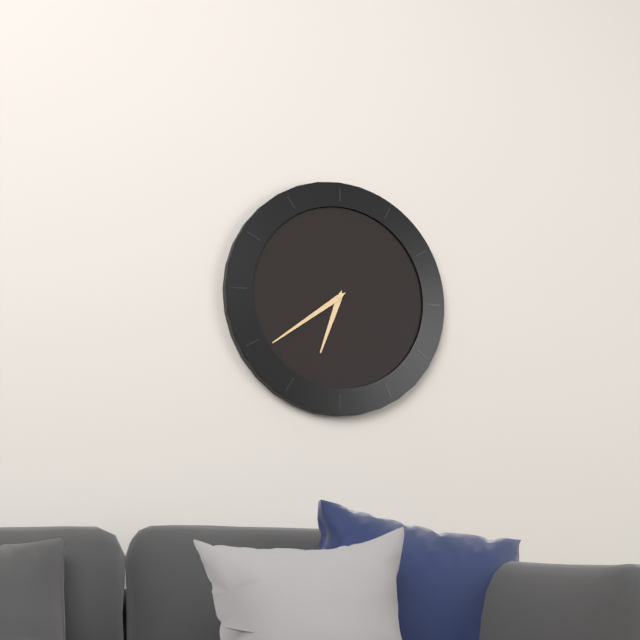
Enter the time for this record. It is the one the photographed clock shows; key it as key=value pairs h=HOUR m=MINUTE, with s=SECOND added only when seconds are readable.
h=6 m=39
